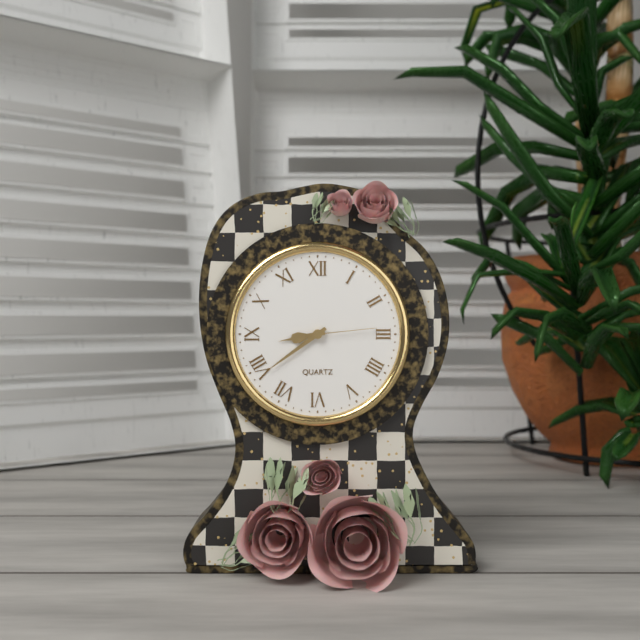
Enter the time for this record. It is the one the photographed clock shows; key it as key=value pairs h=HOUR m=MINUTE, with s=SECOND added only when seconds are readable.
h=8 m=39 s=14
